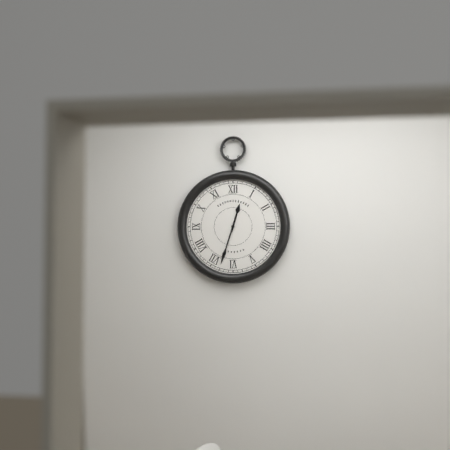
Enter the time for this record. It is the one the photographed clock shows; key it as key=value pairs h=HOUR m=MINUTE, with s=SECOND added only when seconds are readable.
h=12 m=33
